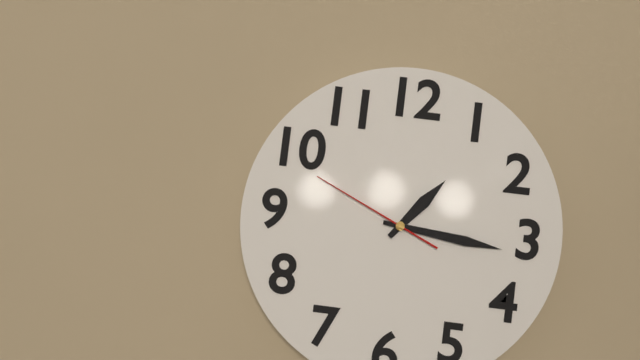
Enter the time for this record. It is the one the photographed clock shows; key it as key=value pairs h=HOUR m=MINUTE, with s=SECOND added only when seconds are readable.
h=1 m=16 s=49
